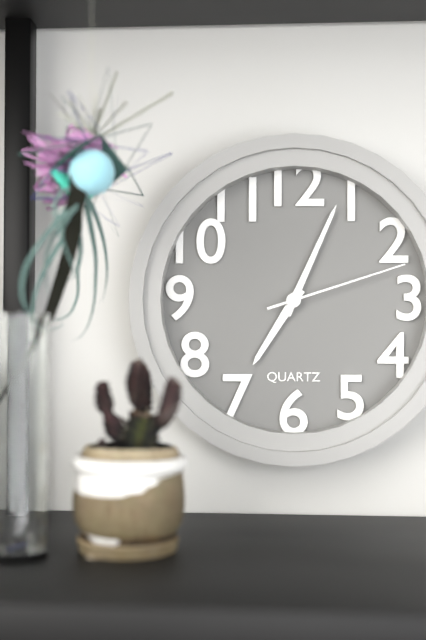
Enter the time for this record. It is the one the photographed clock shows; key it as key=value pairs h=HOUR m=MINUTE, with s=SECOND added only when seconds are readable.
h=7 m=4 s=12
